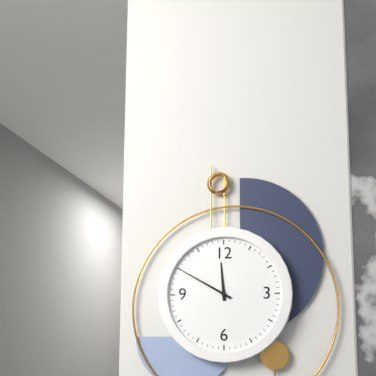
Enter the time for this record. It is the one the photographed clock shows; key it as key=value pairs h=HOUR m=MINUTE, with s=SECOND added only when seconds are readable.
h=11 m=50
